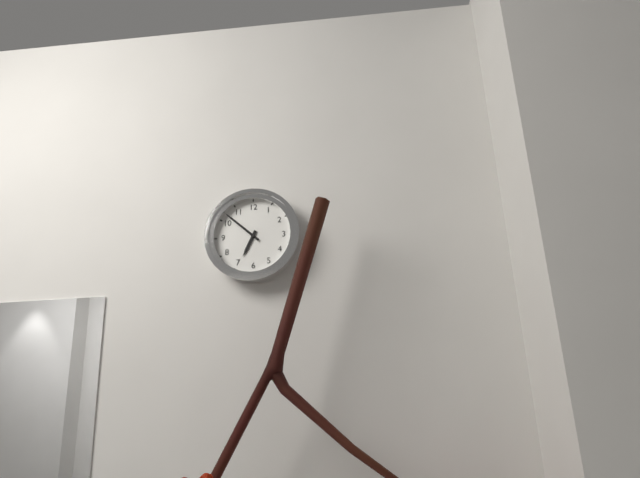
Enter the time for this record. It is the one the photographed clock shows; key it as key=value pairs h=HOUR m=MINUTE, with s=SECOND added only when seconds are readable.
h=6 m=52
